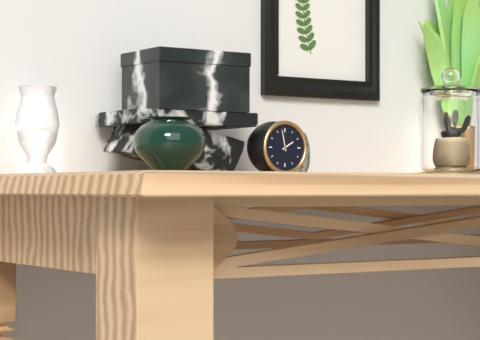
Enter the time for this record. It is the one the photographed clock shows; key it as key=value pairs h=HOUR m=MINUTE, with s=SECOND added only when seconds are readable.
h=1 m=58
